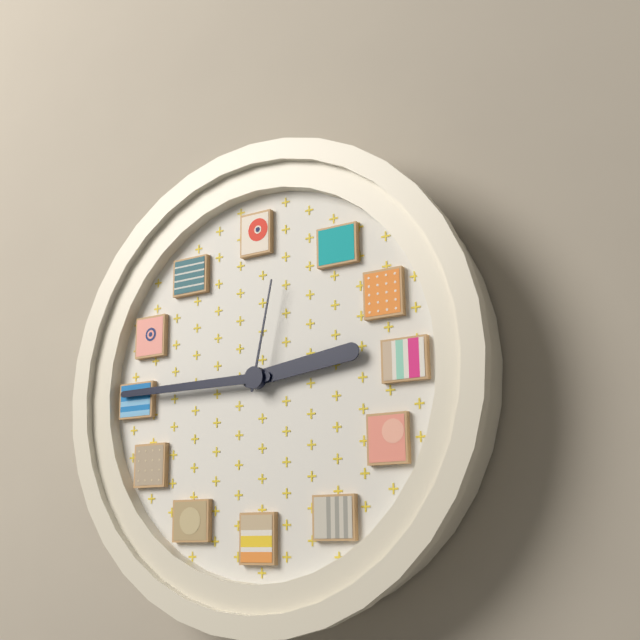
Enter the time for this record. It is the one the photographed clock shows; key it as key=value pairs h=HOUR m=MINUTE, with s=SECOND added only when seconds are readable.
h=2 m=45 s=2
